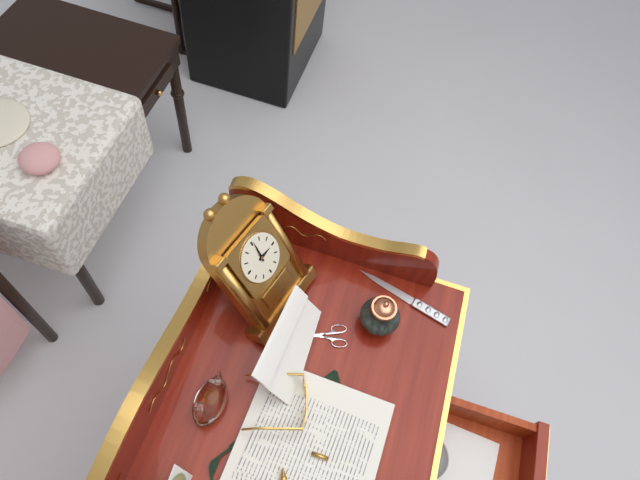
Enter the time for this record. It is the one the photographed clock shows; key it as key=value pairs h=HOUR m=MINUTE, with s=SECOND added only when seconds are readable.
h=3 m=1
